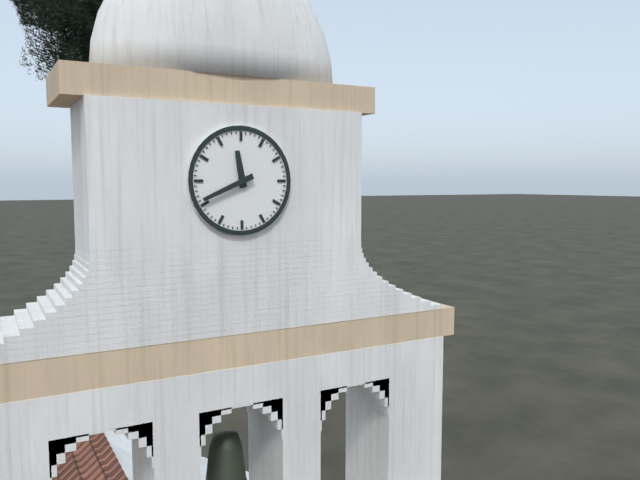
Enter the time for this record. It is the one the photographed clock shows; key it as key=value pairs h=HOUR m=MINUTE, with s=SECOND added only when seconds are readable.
h=11 m=41
